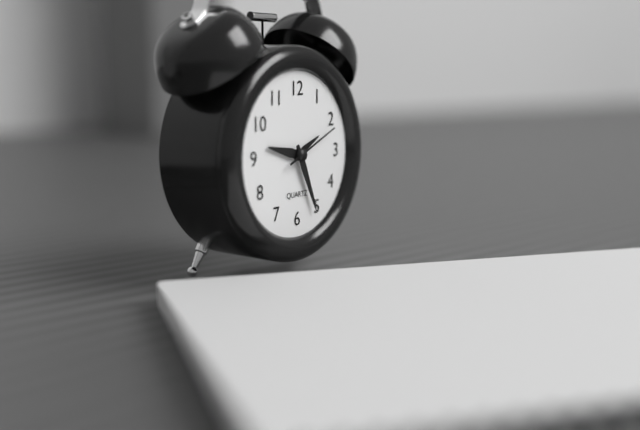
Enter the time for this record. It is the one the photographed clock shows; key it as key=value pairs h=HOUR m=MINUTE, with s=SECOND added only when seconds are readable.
h=9 m=26 s=11
